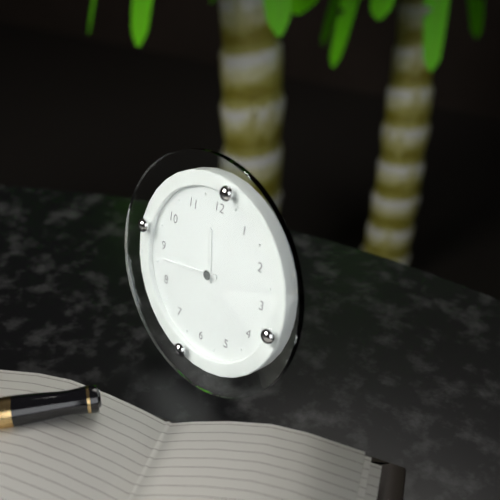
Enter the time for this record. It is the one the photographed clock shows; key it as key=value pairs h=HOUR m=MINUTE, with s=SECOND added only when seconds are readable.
h=11 m=43
